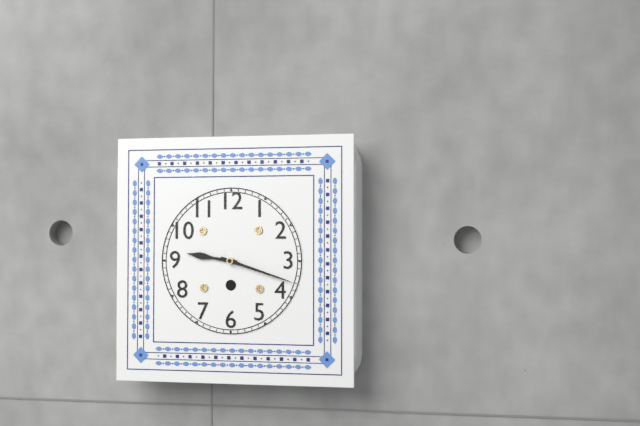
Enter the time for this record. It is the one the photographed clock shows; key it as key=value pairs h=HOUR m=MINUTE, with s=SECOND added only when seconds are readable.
h=9 m=18
